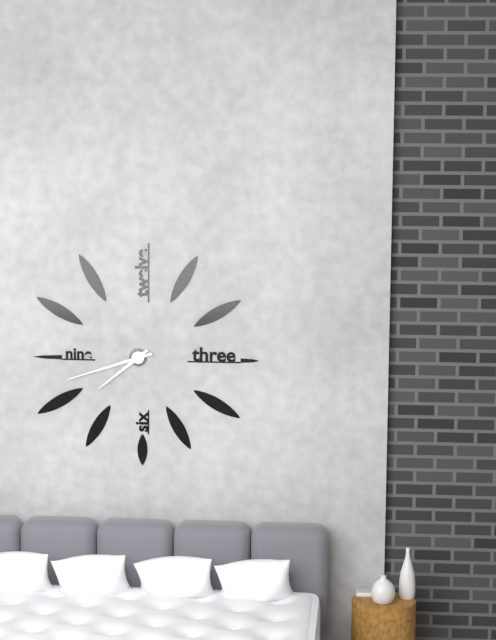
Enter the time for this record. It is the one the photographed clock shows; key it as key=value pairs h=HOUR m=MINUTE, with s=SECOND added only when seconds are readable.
h=7 m=42
